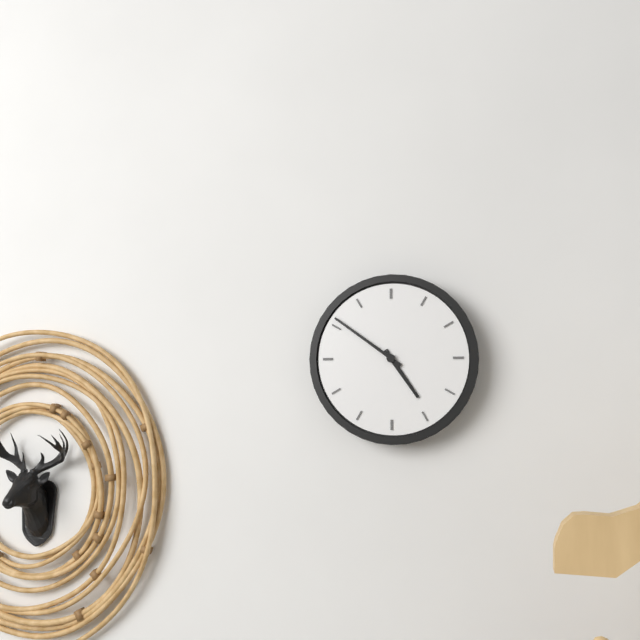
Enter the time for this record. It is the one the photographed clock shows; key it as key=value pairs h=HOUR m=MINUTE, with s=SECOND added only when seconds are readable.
h=4 m=51
